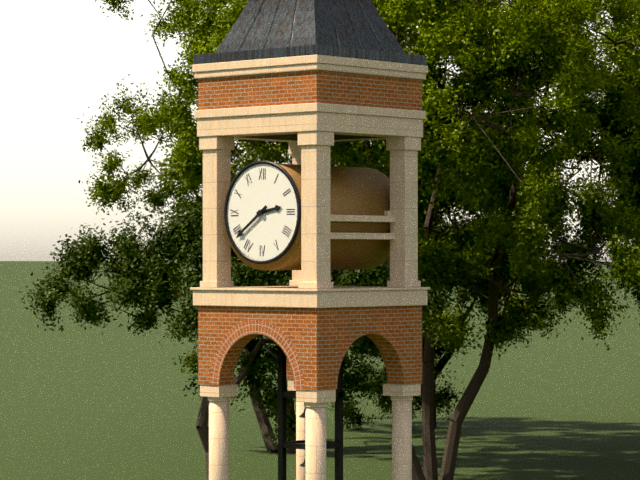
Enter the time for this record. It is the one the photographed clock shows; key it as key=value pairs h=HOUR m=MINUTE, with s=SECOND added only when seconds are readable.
h=2 m=39
